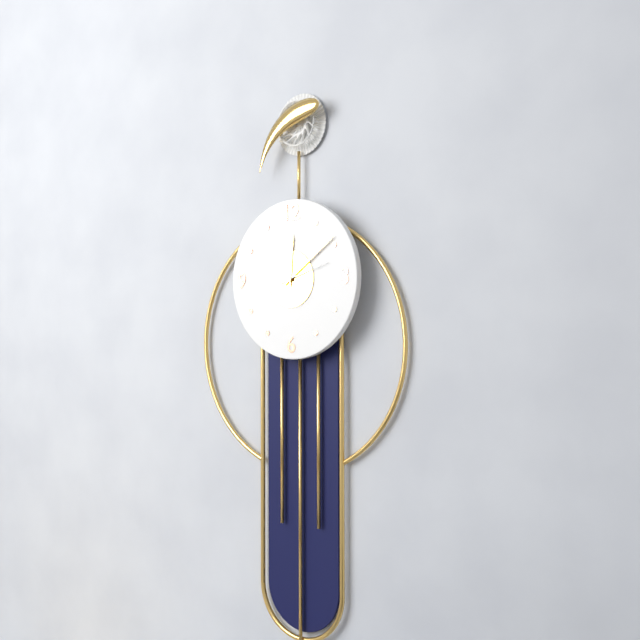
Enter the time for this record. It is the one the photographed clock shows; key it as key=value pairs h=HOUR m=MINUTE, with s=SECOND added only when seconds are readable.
h=12 m=9 s=12
